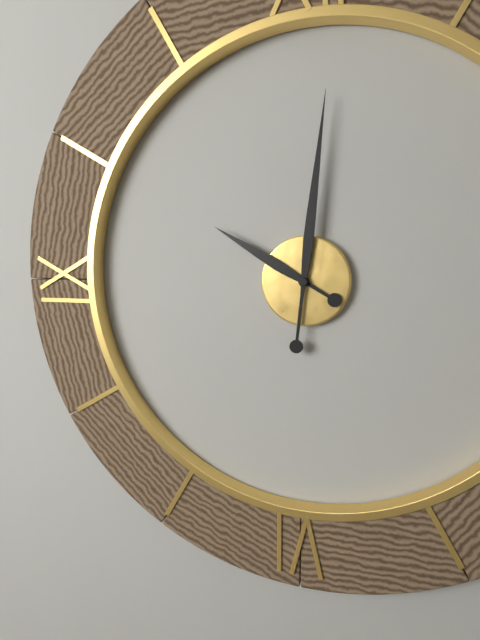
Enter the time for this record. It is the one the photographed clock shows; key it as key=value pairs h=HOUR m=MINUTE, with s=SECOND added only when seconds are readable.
h=10 m=1
